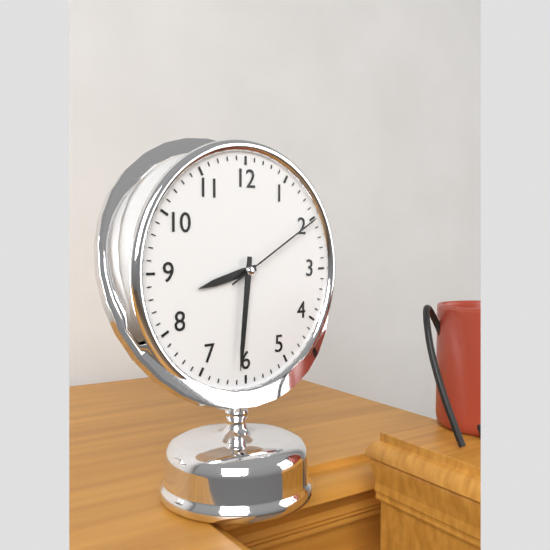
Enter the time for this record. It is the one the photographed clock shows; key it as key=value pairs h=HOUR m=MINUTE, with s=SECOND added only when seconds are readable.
h=8 m=31 s=10
